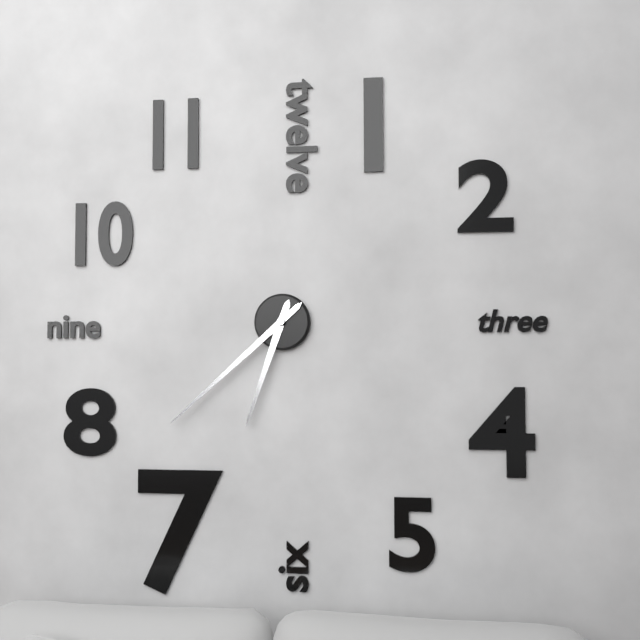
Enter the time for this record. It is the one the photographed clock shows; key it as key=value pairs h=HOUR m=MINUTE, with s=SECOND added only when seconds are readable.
h=6 m=38
